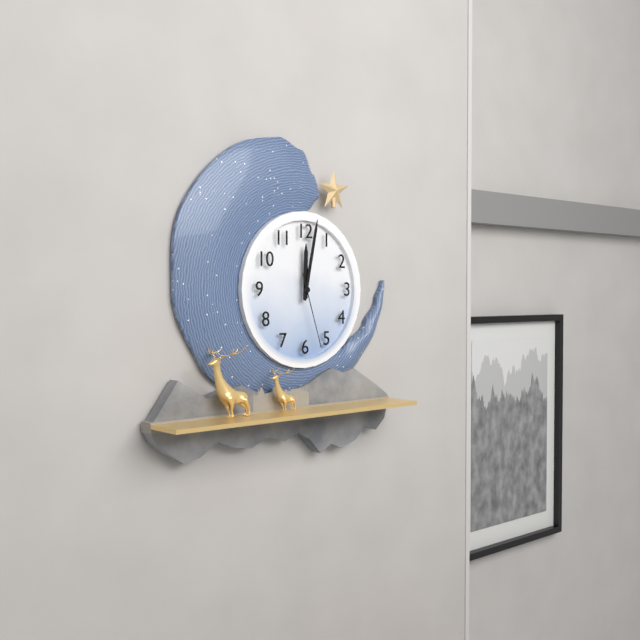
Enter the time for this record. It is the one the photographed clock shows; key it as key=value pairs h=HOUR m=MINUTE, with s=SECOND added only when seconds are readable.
h=12 m=2 s=27
